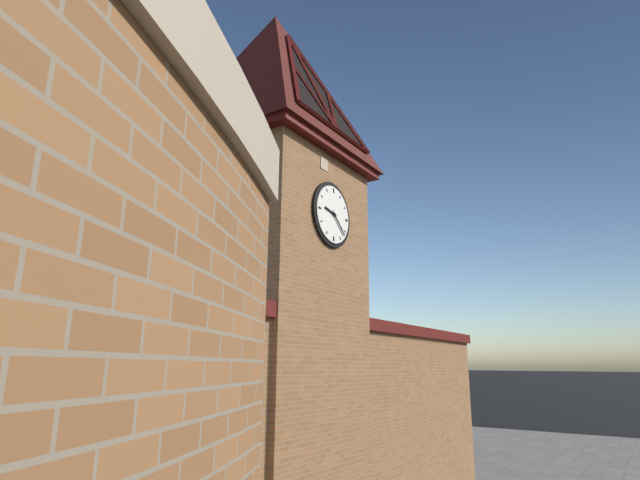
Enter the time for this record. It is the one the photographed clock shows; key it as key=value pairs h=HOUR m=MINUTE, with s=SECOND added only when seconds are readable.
h=9 m=22
